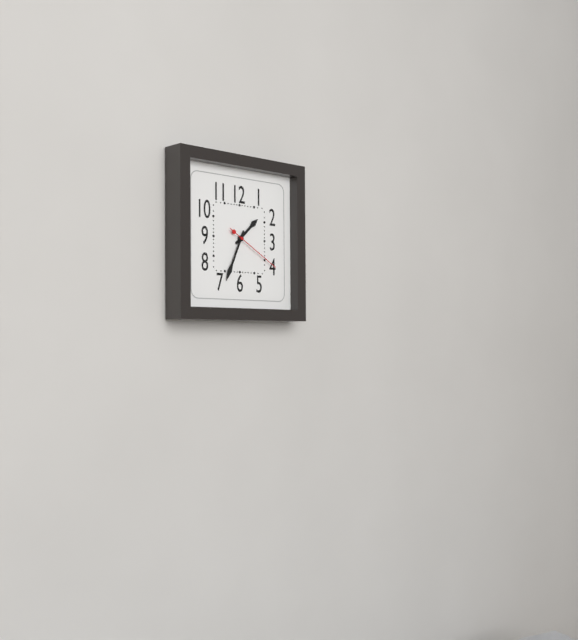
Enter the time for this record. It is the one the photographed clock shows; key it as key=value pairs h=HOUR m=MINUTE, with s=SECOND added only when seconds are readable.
h=1 m=34 s=20
